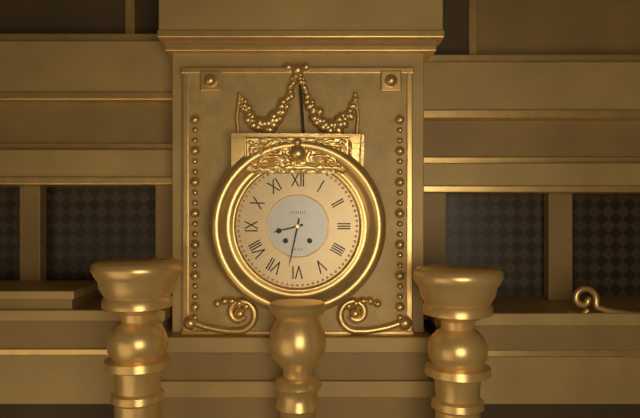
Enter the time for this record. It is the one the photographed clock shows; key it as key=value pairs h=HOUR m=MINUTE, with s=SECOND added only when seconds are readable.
h=8 m=32
